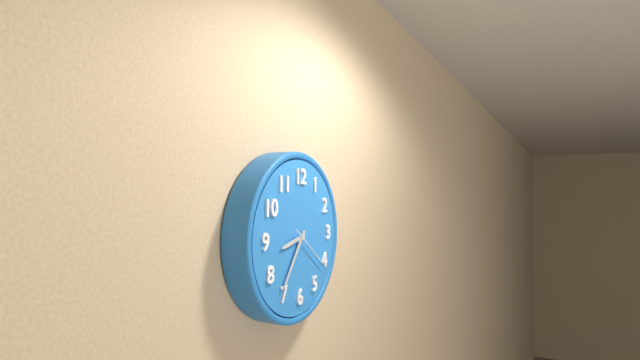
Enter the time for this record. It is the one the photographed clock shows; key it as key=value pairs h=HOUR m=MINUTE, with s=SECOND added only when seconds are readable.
h=8 m=36
